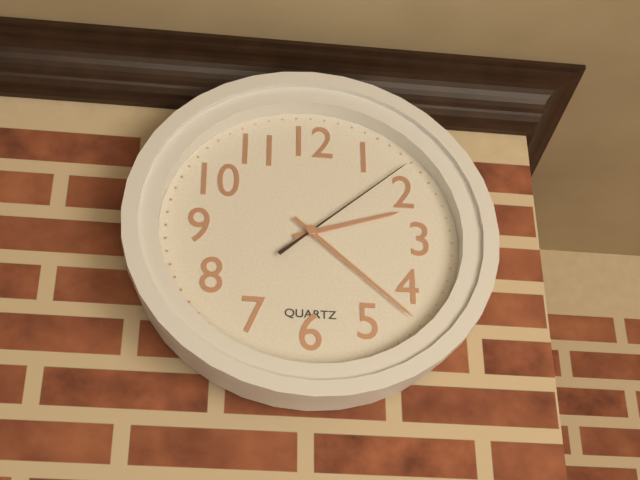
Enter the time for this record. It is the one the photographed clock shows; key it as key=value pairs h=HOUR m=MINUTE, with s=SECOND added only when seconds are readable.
h=2 m=22 s=8
